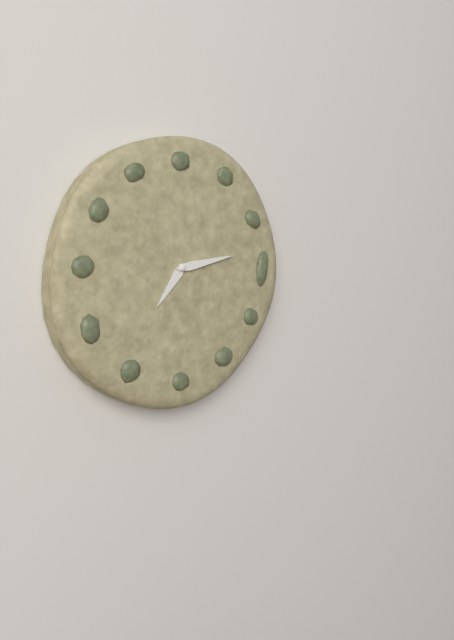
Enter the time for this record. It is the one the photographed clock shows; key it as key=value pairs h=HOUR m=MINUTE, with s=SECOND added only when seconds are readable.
h=7 m=13
